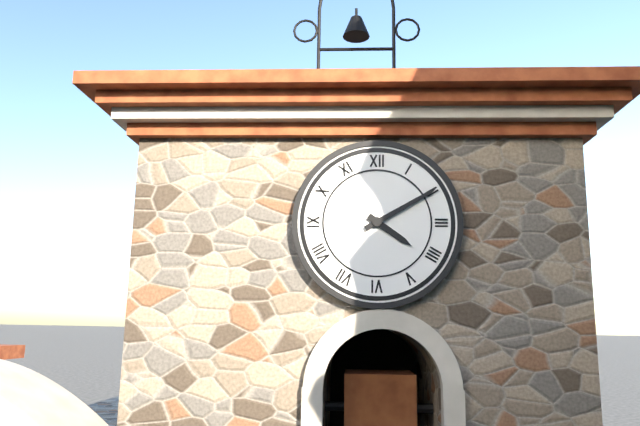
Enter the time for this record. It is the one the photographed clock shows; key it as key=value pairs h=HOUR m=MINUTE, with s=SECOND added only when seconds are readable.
h=4 m=10
